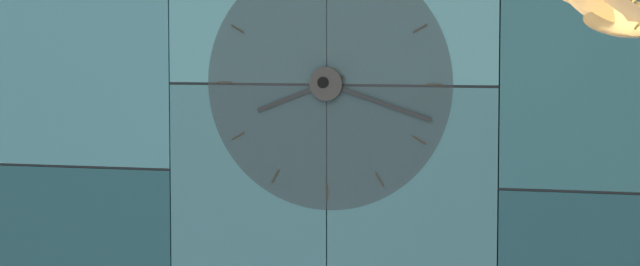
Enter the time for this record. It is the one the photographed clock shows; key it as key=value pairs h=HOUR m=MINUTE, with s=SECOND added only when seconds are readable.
h=8 m=18
